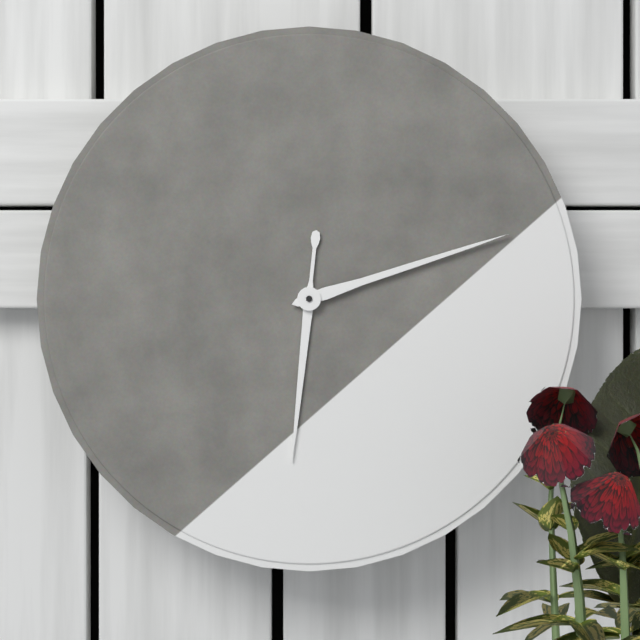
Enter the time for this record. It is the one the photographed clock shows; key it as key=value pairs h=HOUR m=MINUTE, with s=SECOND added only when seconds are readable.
h=6 m=12
